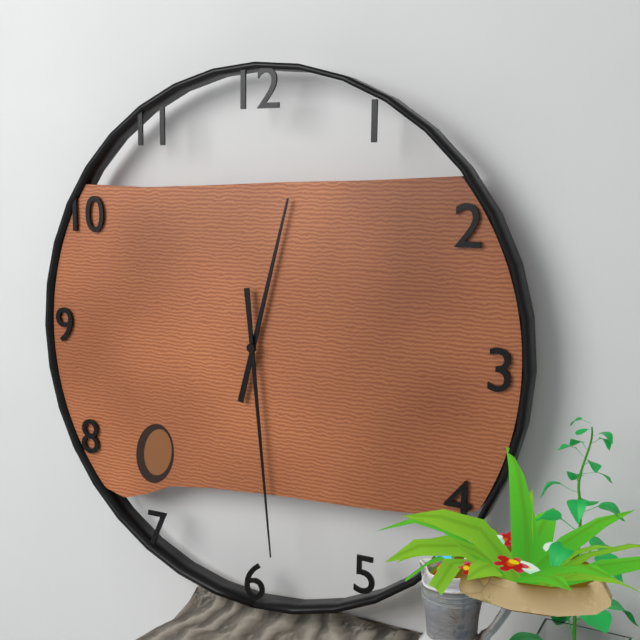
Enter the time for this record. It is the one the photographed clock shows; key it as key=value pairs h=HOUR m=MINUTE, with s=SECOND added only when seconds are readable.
h=12 m=29
